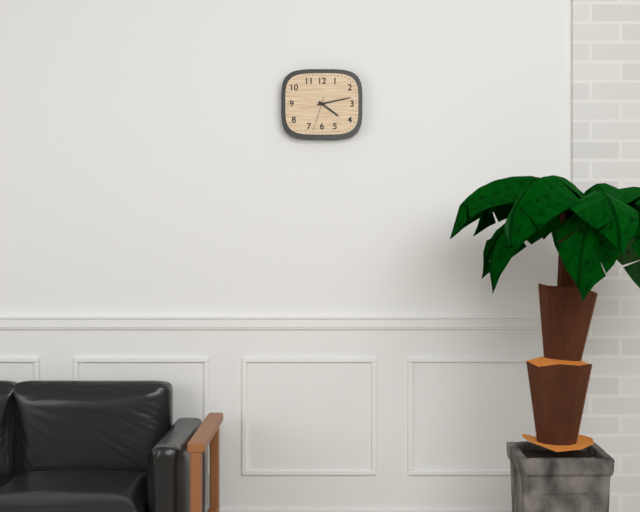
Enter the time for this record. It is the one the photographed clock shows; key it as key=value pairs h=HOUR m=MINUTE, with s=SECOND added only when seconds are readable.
h=4 m=13
